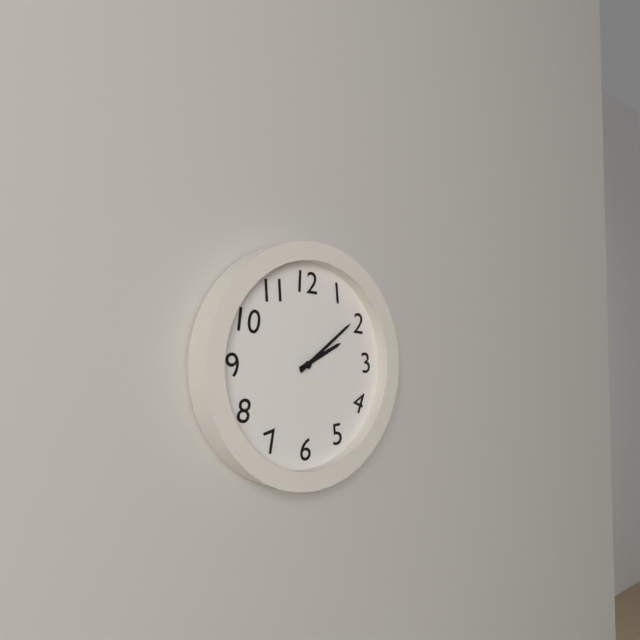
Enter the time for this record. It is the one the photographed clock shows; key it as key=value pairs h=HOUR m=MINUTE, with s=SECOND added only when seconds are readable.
h=2 m=9
